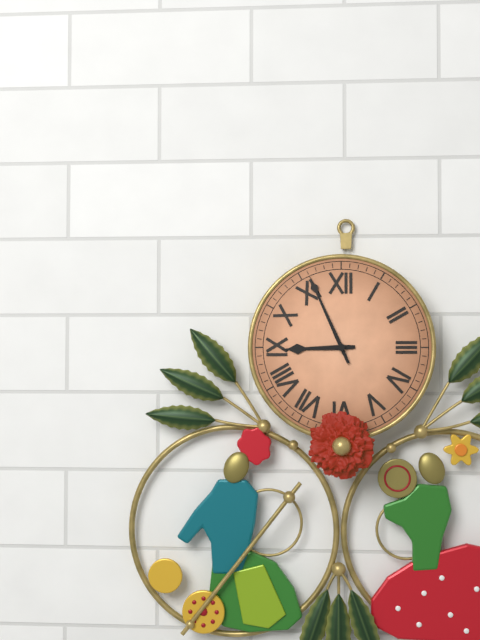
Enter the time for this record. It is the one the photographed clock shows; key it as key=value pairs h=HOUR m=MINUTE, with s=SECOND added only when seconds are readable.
h=8 m=56
